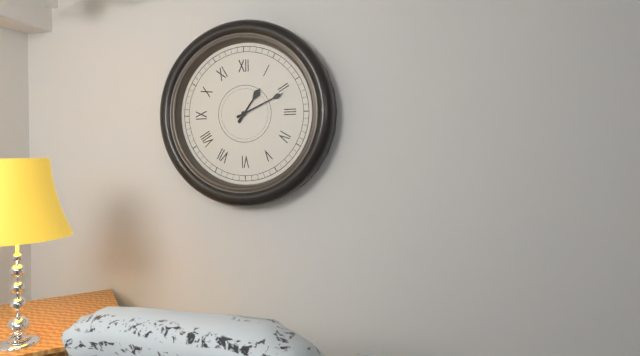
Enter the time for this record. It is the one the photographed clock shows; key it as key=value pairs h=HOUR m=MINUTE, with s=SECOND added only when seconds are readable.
h=1 m=11
